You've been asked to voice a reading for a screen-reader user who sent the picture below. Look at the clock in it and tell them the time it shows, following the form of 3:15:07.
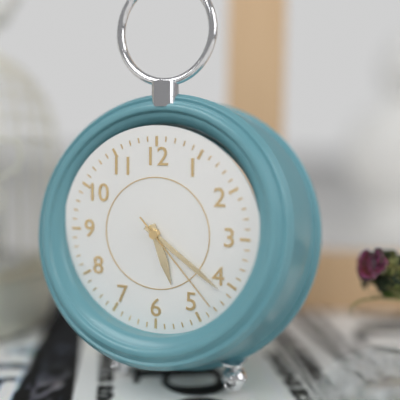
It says 5:21:23
